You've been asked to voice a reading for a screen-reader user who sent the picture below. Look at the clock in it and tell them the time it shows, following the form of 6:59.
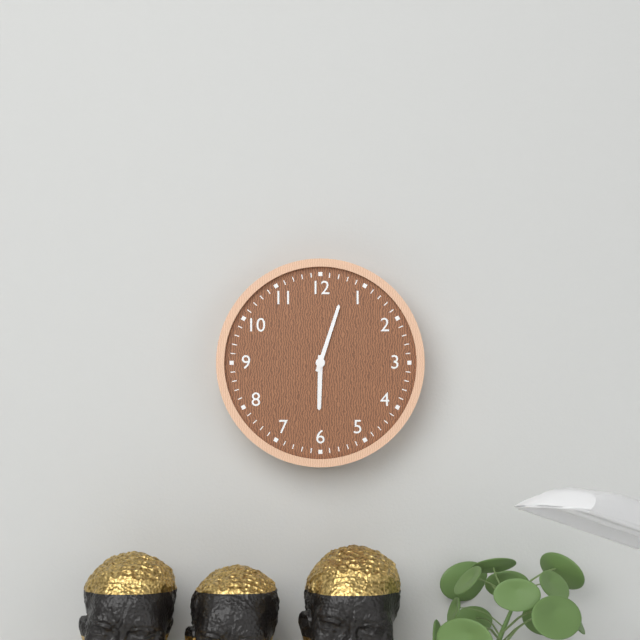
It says 6:03
